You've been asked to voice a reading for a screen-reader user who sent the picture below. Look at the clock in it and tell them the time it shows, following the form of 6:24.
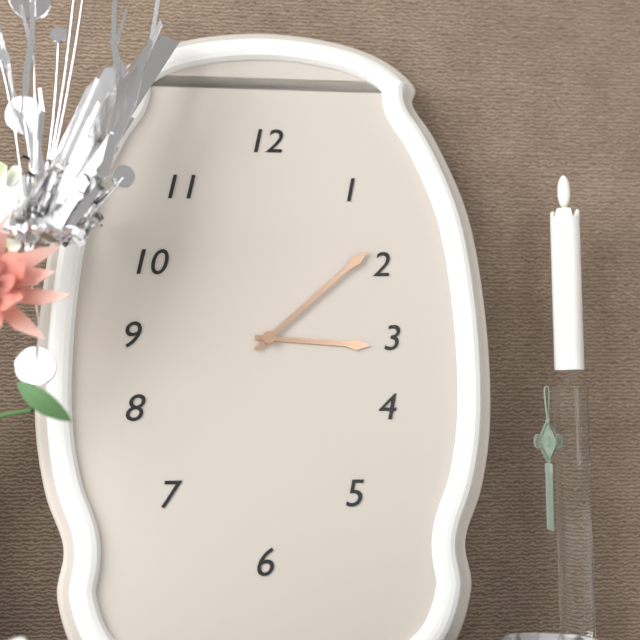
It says 3:08
